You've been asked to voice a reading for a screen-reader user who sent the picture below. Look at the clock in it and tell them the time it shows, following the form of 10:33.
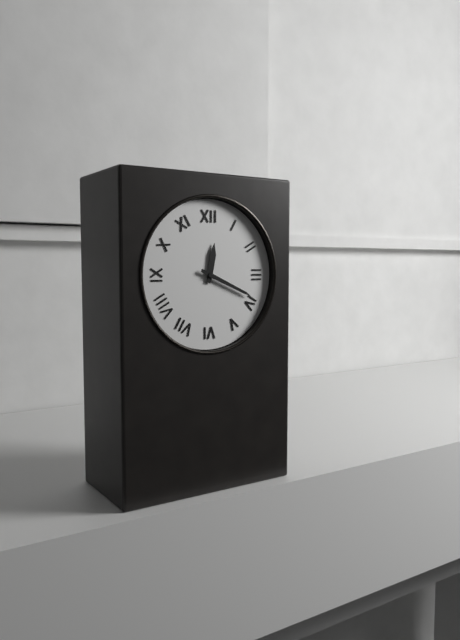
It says 12:19
